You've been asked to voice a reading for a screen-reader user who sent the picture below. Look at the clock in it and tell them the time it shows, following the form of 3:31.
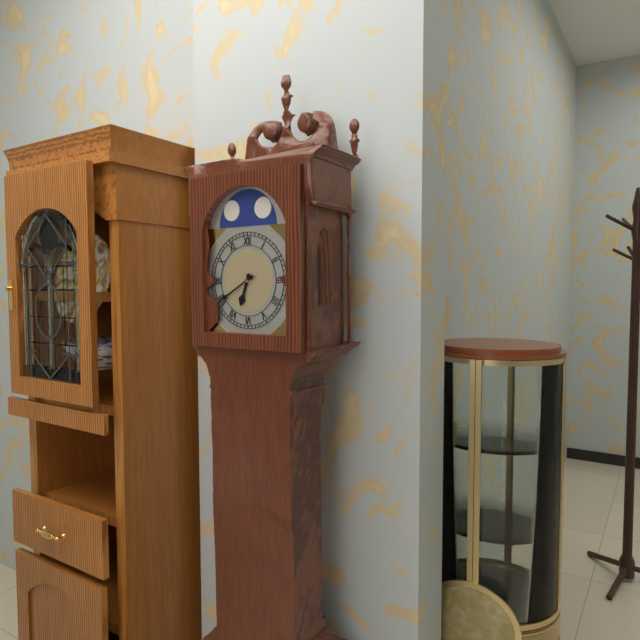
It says 6:40
